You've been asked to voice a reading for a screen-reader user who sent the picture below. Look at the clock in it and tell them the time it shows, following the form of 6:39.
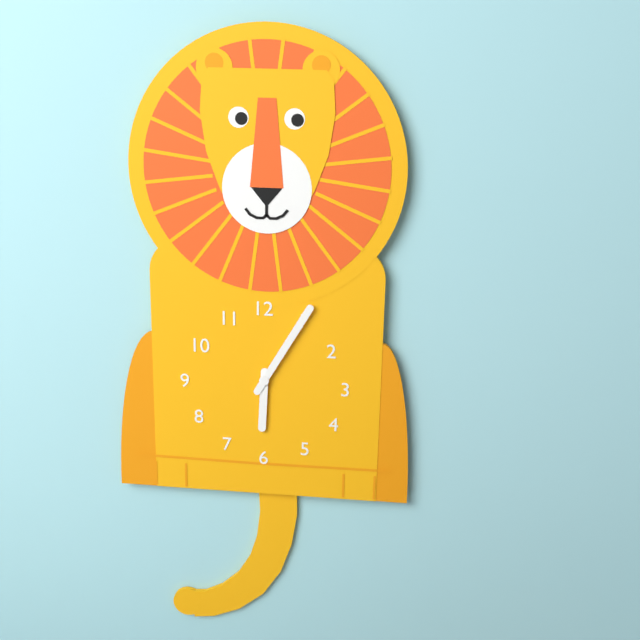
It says 6:05
